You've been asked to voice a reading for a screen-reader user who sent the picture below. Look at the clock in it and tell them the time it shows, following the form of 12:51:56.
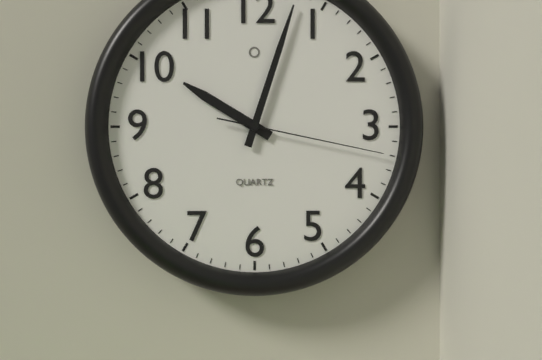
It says 10:03:17
